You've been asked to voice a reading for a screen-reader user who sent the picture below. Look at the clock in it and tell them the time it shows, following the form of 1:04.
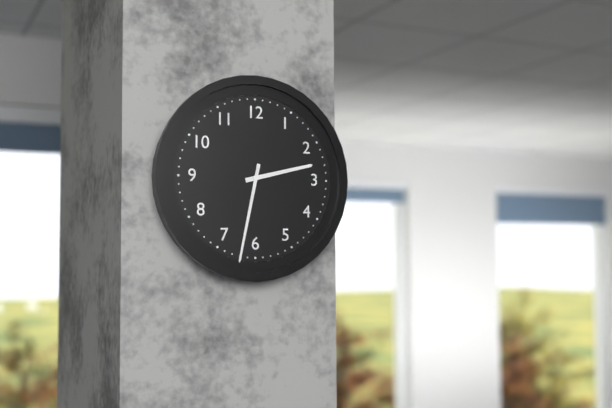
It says 2:32
